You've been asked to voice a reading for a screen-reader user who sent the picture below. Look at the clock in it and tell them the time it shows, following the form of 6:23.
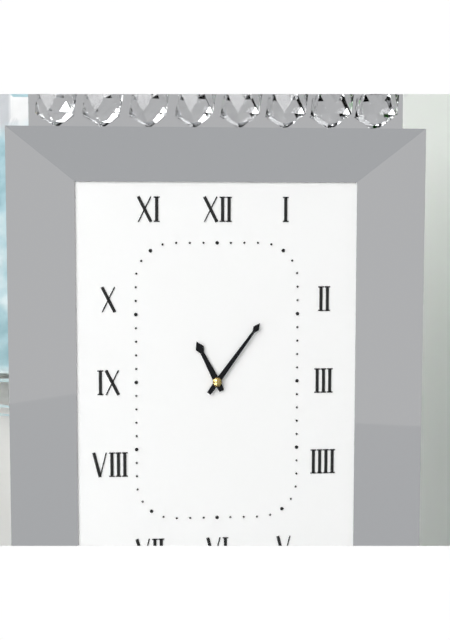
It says 11:06
